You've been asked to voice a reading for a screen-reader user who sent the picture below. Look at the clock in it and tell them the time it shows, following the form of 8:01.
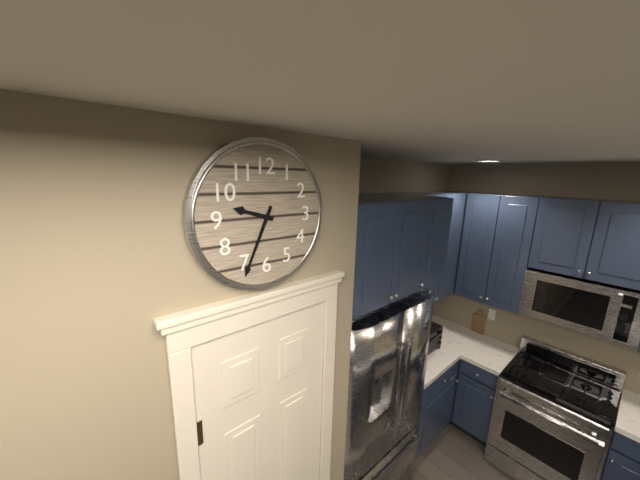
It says 9:34
